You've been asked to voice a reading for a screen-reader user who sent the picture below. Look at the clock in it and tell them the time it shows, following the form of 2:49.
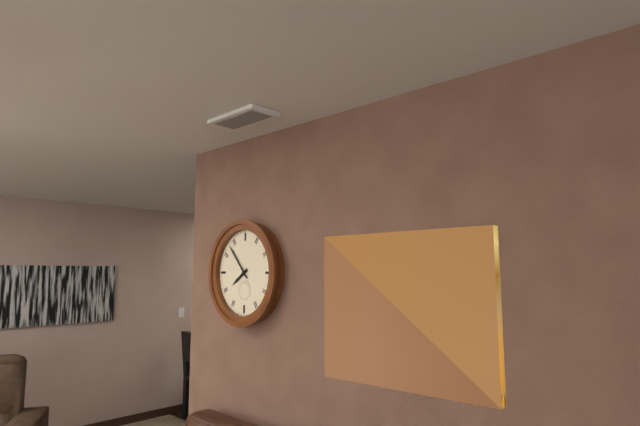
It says 7:53
